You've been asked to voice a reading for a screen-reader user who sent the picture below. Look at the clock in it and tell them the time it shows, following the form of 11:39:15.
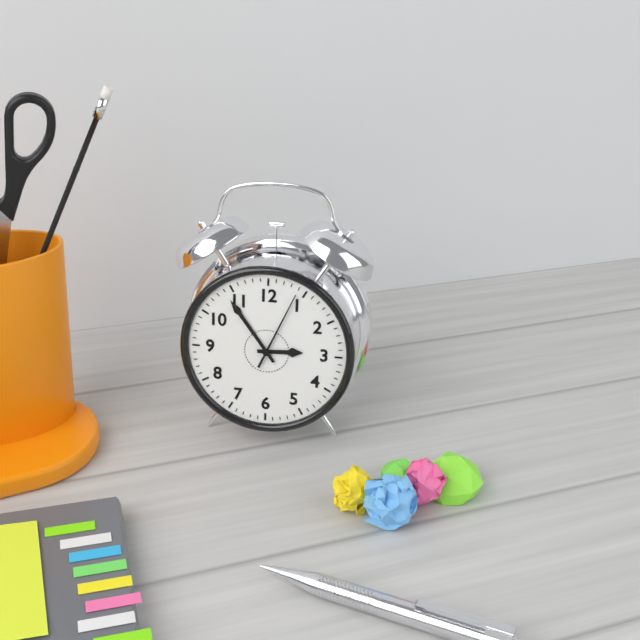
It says 2:54:04
